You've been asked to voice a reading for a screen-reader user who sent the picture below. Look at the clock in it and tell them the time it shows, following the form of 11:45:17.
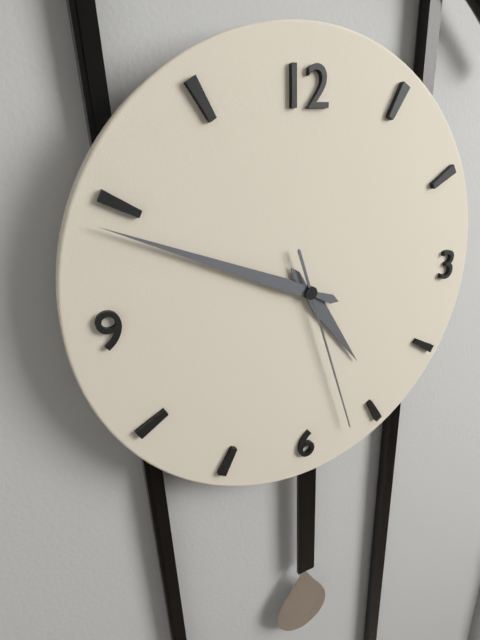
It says 4:49:27
